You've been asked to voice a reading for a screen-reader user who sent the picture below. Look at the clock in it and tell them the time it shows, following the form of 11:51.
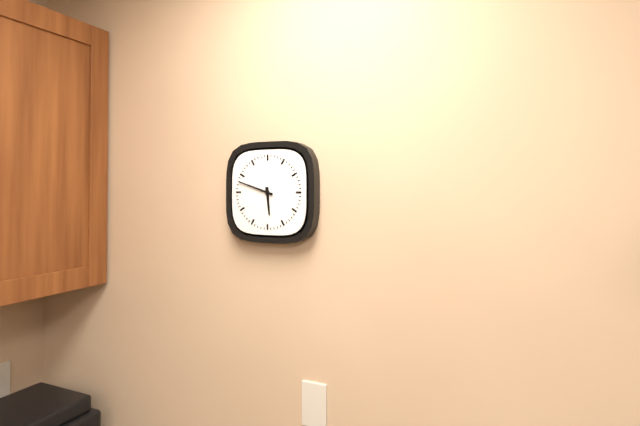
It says 5:48
